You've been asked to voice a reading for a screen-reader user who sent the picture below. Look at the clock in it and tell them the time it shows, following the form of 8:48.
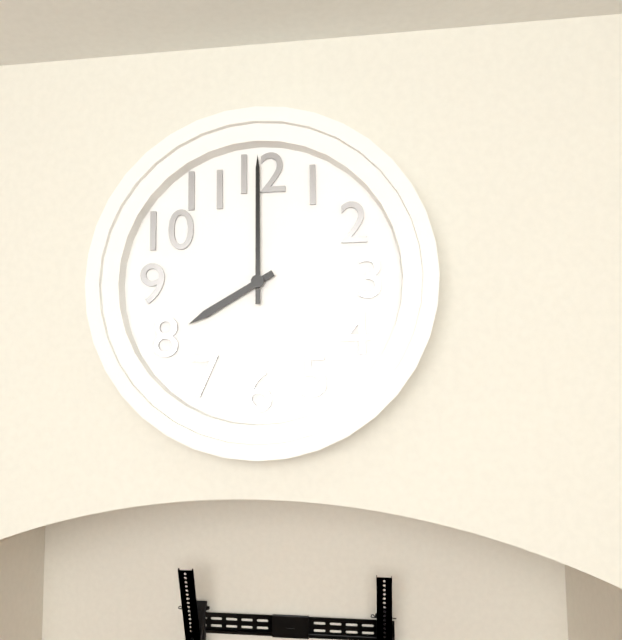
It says 8:00
